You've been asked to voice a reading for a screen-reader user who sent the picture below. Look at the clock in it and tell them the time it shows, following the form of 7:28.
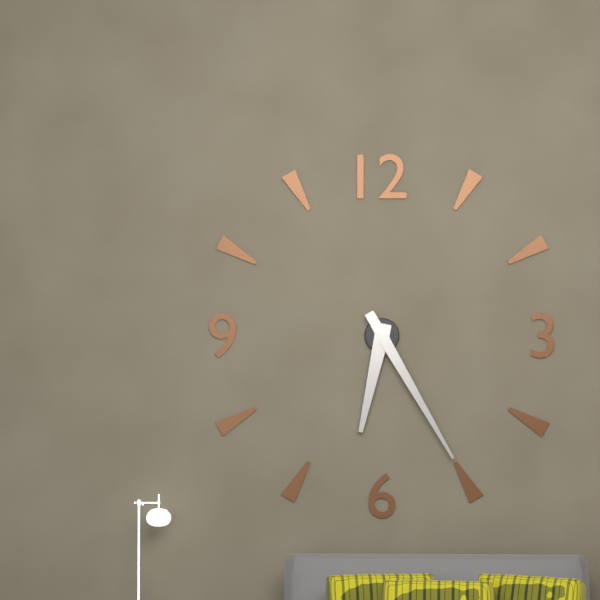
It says 6:25
